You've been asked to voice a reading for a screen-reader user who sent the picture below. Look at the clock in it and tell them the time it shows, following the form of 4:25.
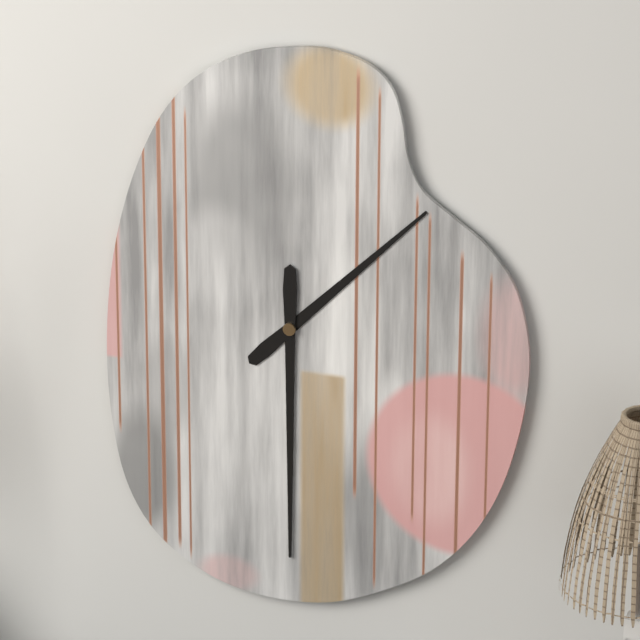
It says 1:30
